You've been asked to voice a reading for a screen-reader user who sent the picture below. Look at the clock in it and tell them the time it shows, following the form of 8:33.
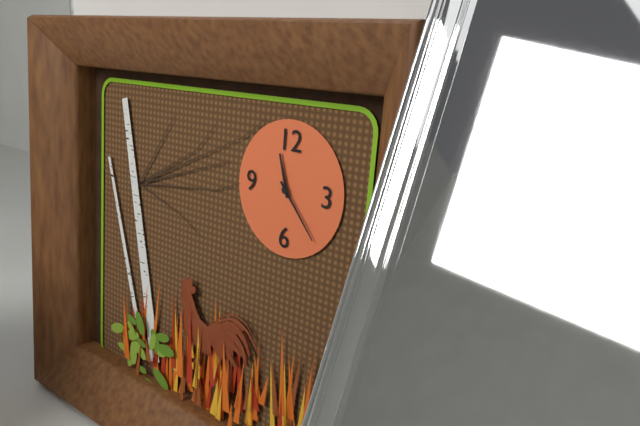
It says 11:23
